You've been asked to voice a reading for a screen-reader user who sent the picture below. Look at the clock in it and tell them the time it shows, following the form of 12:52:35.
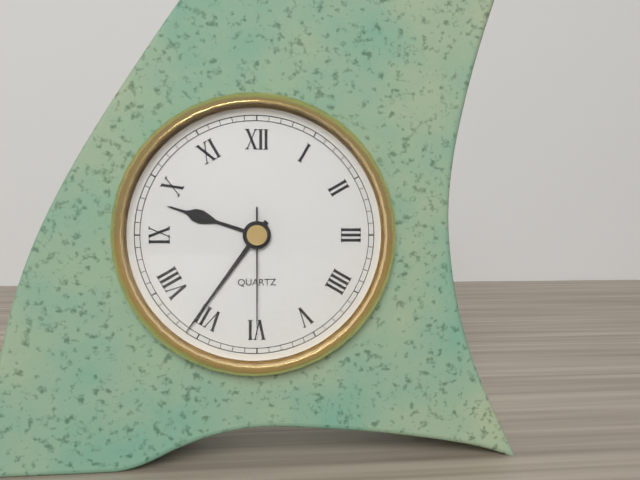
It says 9:36:30
